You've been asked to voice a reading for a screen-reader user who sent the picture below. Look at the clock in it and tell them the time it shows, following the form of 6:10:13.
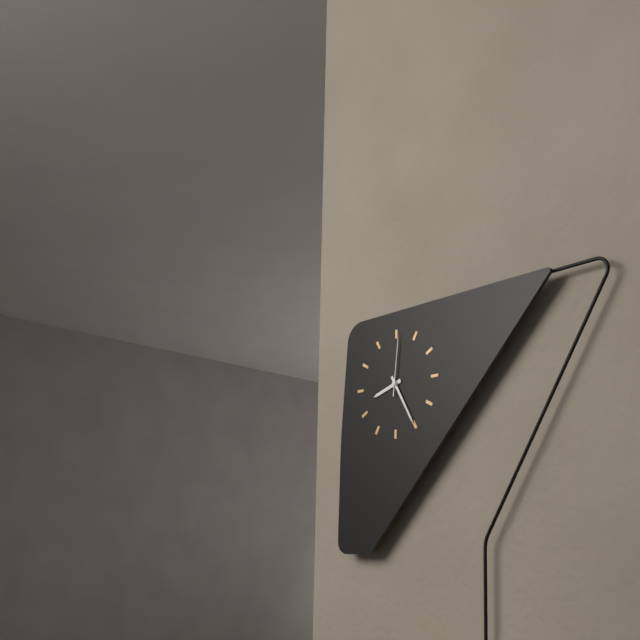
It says 8:25:01
